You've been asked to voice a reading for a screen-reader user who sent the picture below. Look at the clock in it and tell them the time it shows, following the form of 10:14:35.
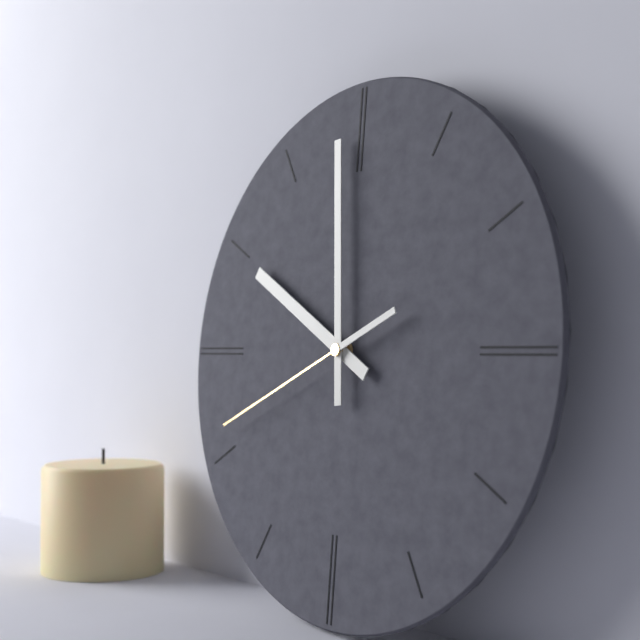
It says 9:59:41
